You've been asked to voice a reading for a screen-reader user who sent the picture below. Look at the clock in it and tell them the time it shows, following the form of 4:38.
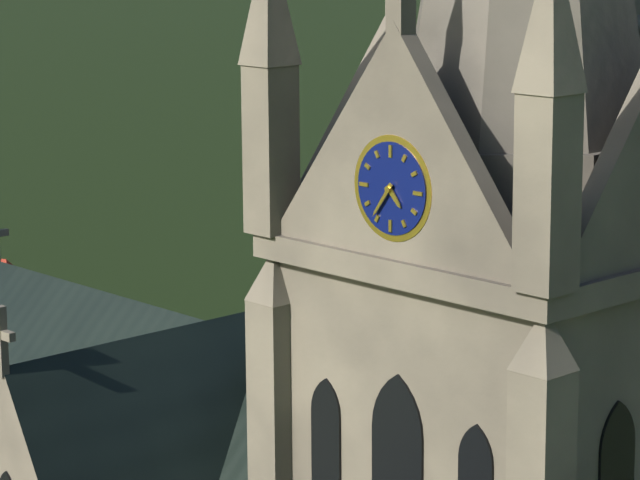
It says 4:36
